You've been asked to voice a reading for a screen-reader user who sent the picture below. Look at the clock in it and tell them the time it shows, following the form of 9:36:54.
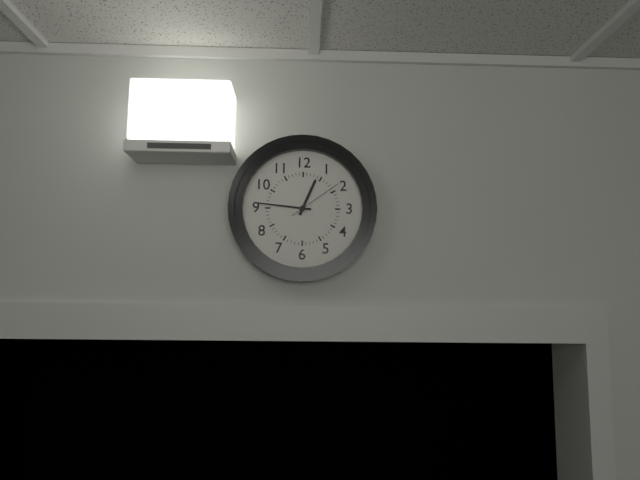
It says 12:46:09
